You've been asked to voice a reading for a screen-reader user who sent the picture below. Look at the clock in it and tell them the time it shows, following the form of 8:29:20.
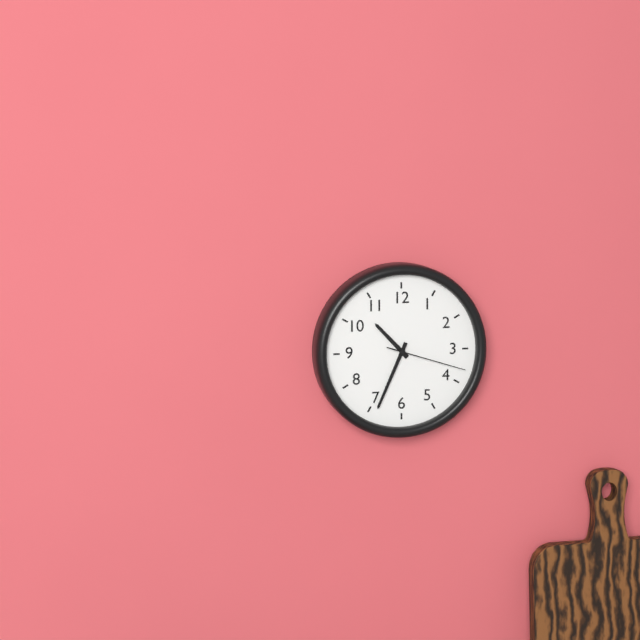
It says 10:34:18
